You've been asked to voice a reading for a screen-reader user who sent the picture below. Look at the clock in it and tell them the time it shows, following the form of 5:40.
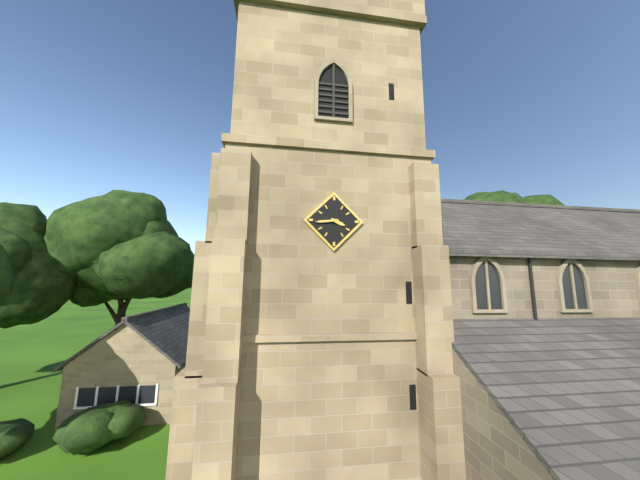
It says 3:44
